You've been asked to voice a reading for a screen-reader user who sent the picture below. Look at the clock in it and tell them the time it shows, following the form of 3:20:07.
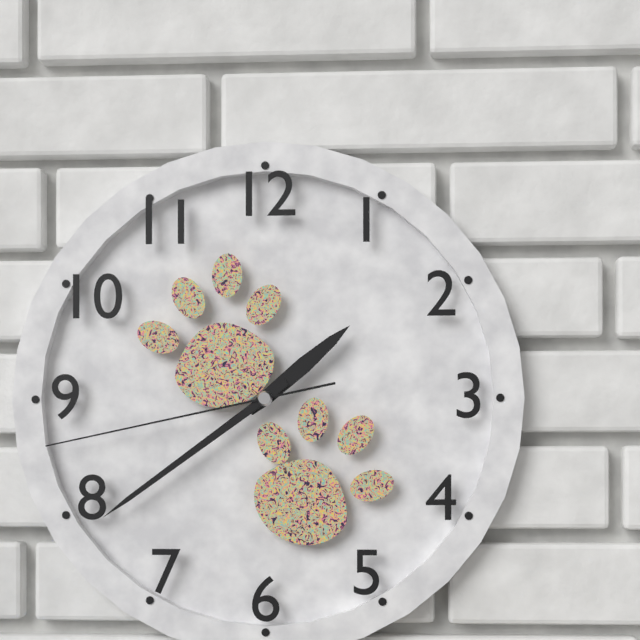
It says 1:39:43
